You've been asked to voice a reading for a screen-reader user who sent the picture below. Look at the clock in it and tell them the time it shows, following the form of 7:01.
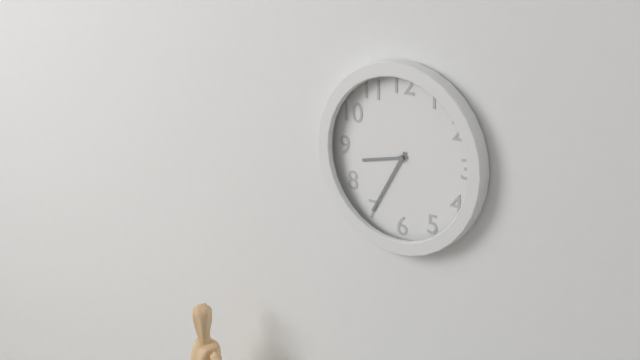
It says 8:35
